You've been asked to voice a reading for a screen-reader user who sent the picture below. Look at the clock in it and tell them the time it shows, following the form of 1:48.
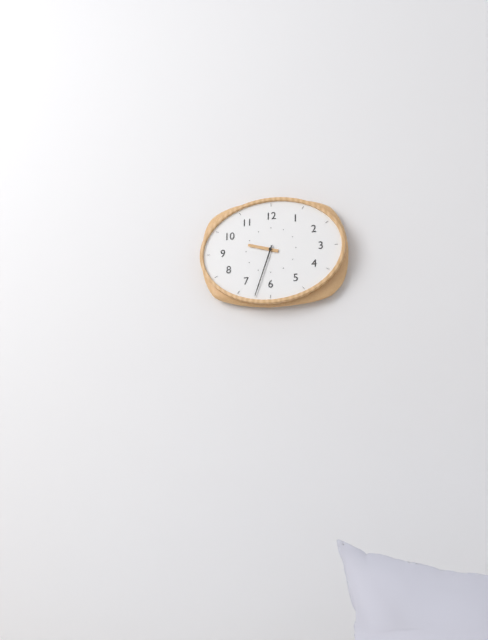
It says 9:33
